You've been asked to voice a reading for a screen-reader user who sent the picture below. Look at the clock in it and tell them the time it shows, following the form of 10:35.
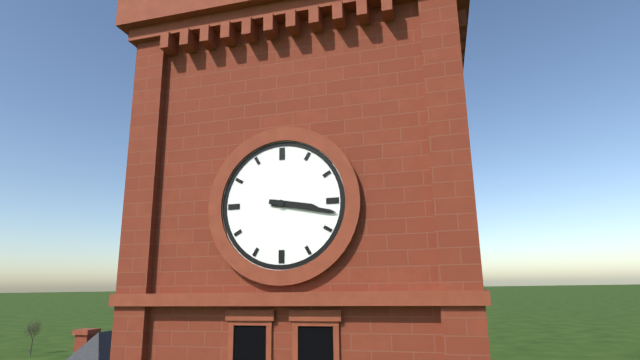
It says 3:17
